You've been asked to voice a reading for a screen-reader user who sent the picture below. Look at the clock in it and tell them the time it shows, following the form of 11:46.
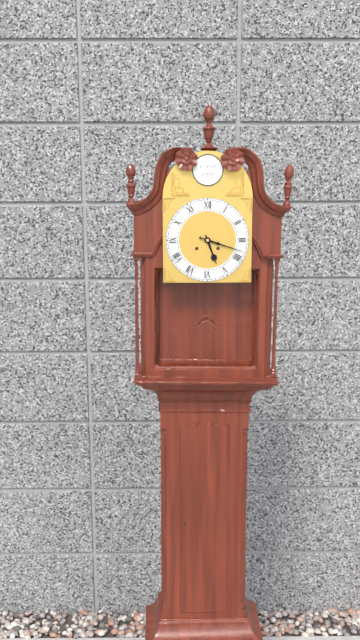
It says 5:18
